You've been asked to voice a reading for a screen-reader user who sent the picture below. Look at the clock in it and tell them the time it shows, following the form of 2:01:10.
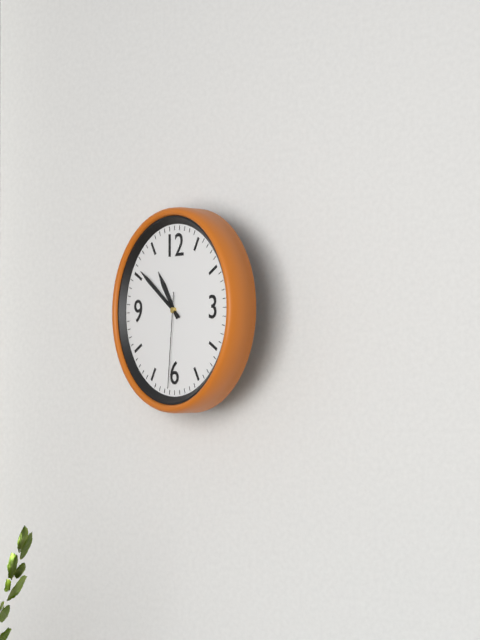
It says 10:51:31
